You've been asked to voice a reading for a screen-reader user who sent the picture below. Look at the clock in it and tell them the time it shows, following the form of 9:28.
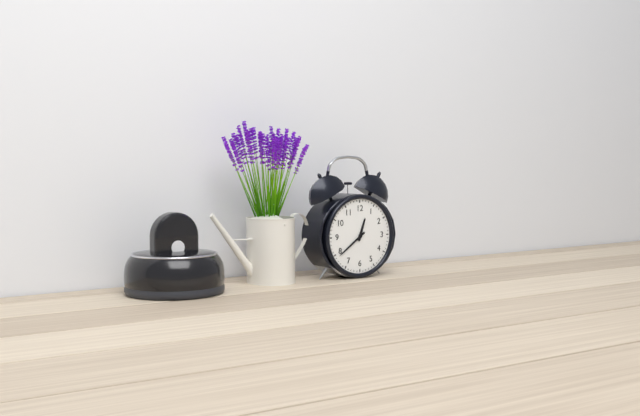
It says 12:39
